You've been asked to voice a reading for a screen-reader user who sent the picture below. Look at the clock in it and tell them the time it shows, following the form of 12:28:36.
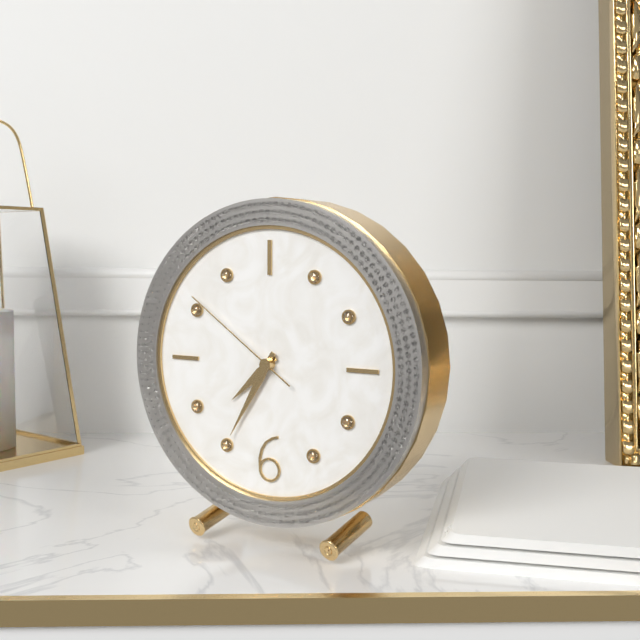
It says 7:35:51
